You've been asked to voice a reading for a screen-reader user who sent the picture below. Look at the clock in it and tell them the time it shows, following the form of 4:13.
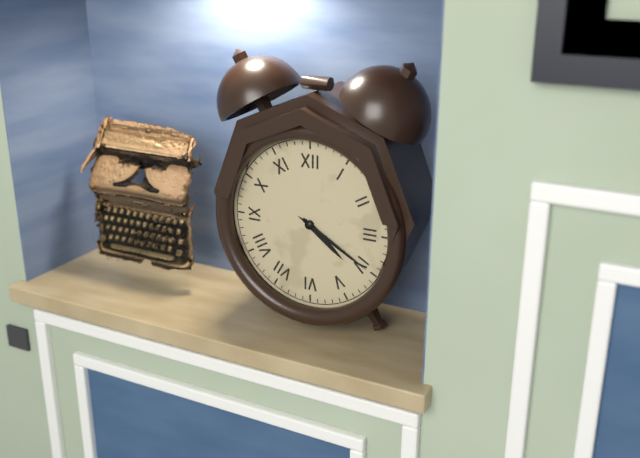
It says 4:20
